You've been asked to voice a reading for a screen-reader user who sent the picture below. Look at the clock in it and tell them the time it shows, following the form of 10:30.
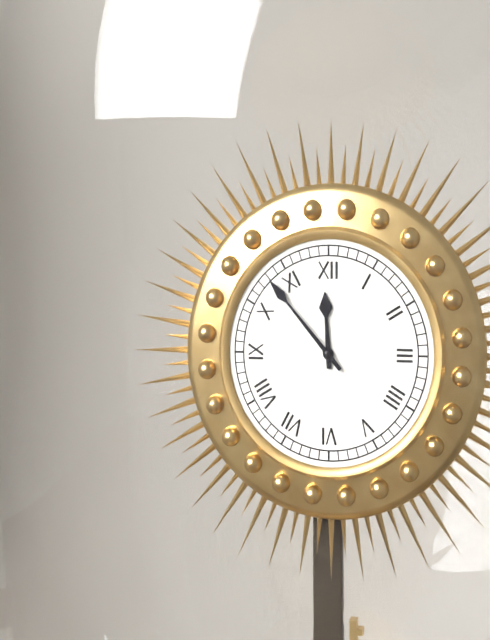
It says 11:53
